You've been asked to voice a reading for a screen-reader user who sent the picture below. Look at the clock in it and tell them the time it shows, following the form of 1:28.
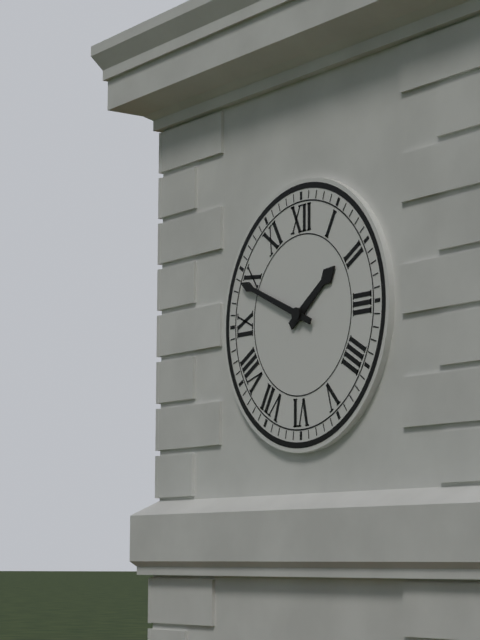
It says 1:49
